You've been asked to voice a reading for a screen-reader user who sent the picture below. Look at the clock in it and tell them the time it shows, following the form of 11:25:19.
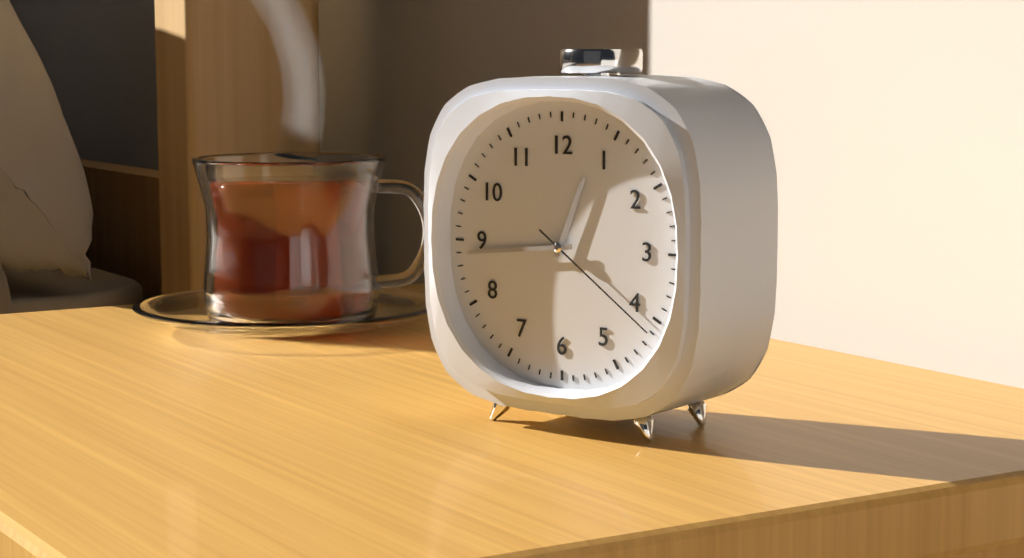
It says 12:44:21
